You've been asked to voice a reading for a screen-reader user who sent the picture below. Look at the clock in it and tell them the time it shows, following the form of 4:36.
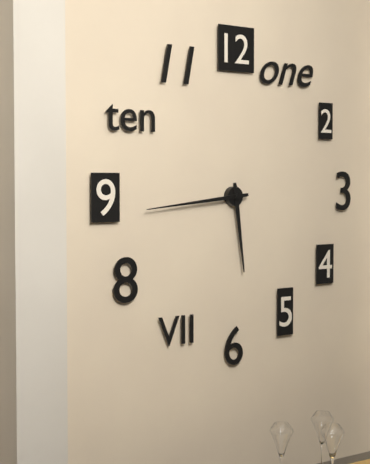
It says 5:44
